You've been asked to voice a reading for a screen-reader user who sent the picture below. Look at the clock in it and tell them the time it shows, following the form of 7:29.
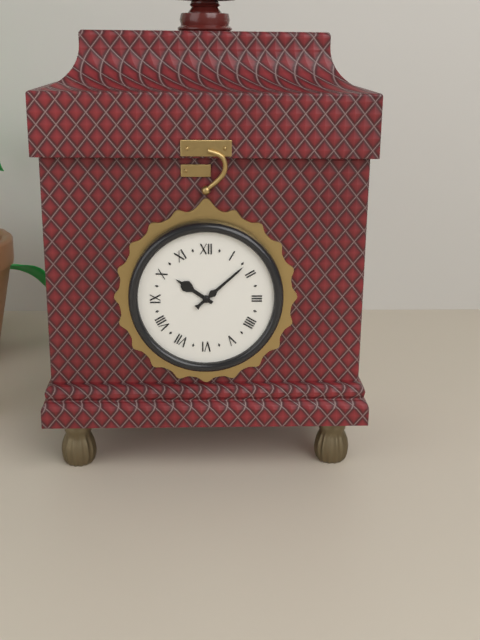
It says 10:08
